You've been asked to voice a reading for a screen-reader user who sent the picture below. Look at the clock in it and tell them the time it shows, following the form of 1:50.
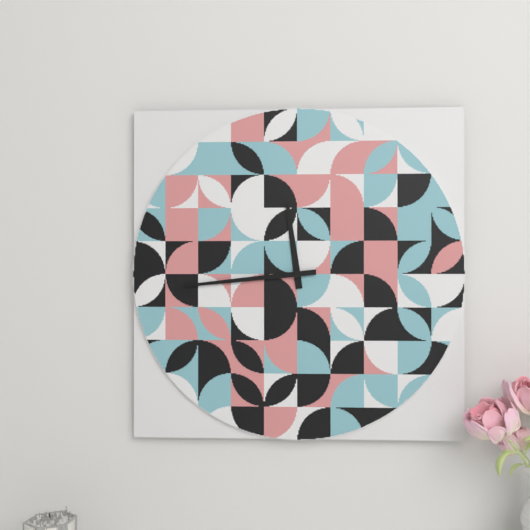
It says 11:44
